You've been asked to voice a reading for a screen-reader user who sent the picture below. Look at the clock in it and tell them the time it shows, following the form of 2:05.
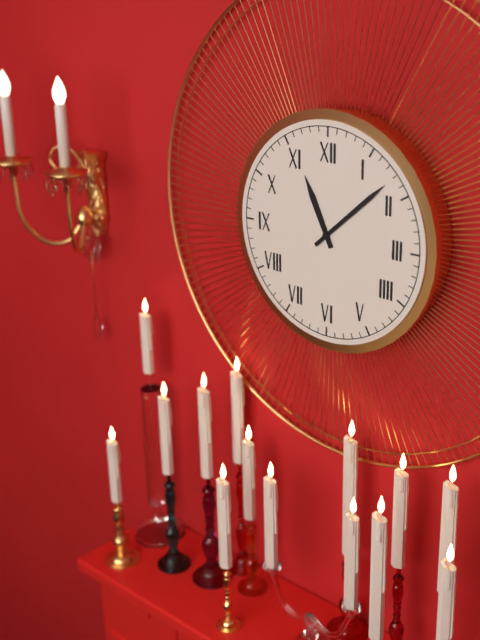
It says 11:08
